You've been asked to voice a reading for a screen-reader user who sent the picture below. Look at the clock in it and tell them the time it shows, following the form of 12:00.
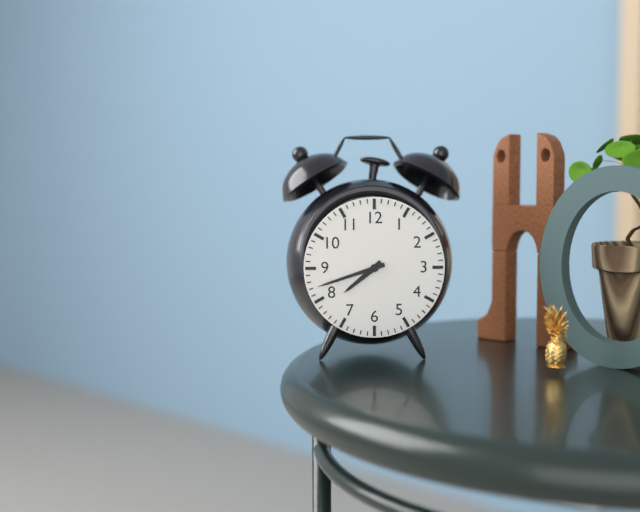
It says 7:42
